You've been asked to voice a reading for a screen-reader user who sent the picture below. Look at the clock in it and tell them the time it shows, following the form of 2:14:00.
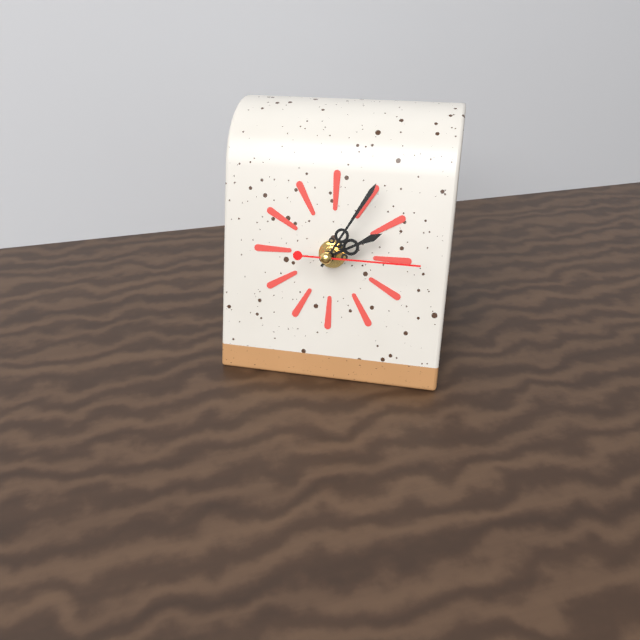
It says 2:05:15
